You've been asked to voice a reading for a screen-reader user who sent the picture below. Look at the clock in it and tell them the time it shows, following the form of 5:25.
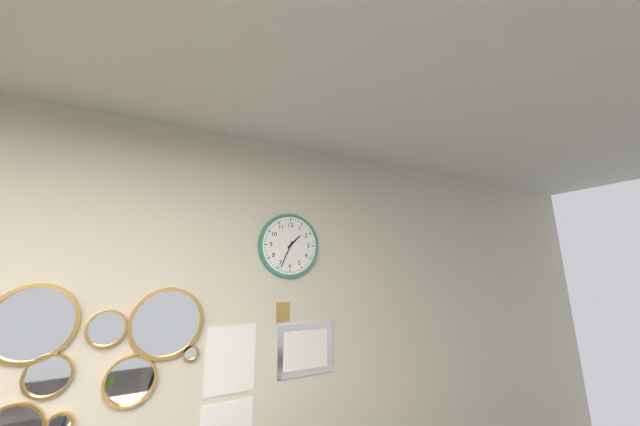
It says 1:34
